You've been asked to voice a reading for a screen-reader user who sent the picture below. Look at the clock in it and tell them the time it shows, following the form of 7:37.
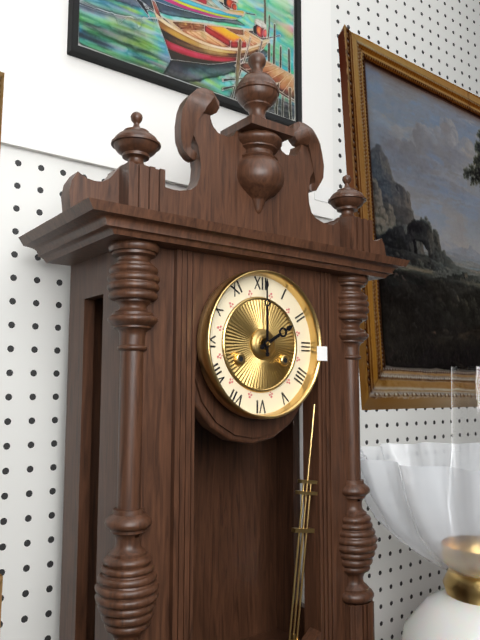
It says 2:00
